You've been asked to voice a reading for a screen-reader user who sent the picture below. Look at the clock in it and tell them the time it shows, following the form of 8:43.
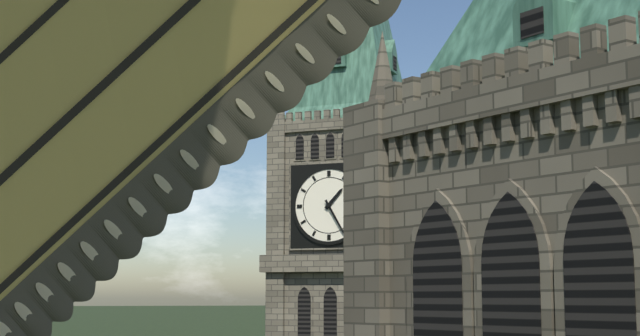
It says 1:25
